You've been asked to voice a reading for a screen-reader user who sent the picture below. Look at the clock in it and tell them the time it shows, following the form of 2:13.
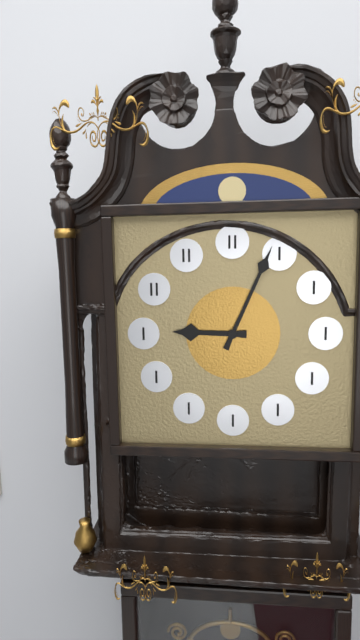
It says 9:04
